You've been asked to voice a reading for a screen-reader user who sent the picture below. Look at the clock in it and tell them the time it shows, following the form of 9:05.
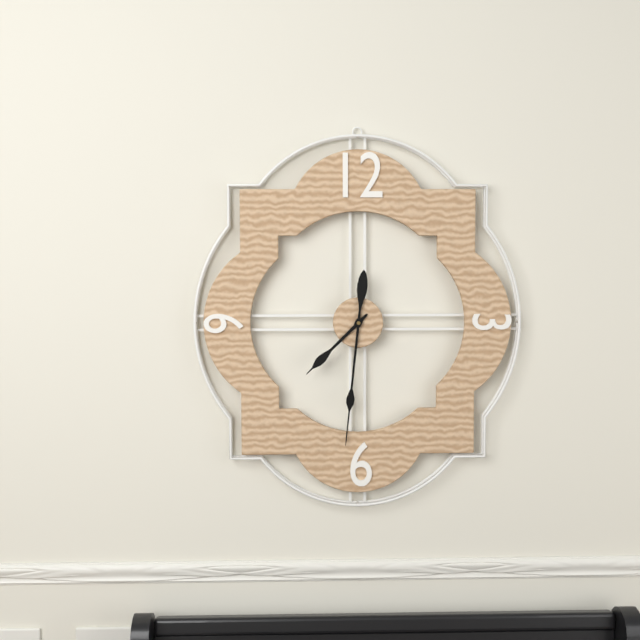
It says 7:31
